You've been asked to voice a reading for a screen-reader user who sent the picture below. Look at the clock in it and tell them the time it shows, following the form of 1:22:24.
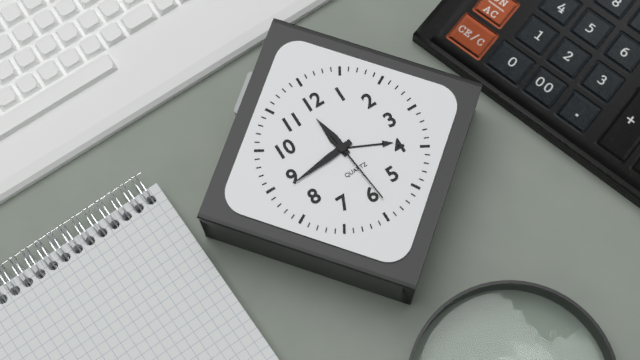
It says 11:44:29
